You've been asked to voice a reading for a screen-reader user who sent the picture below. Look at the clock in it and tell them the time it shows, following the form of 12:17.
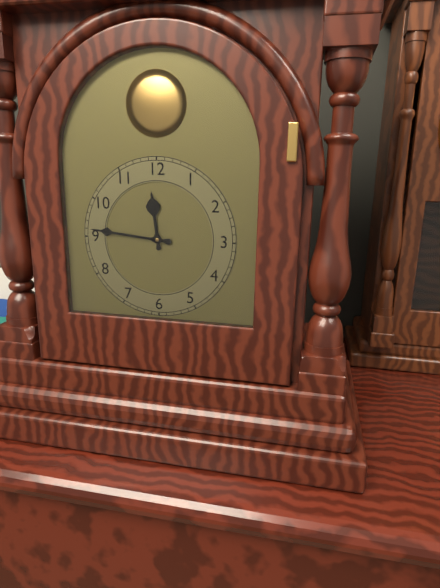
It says 11:46
